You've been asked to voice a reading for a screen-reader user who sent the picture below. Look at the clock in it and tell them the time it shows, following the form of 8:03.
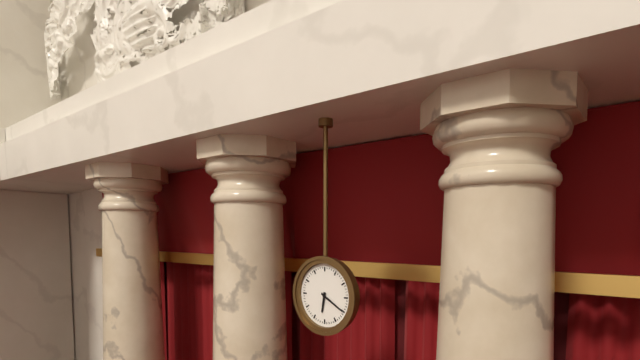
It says 6:20
